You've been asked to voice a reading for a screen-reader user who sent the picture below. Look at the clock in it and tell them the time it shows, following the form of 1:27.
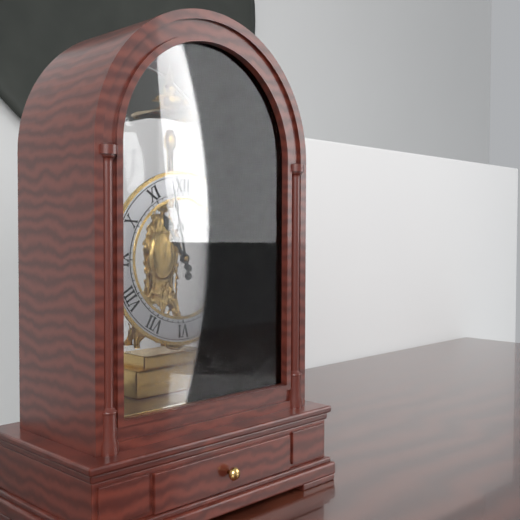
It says 10:58
